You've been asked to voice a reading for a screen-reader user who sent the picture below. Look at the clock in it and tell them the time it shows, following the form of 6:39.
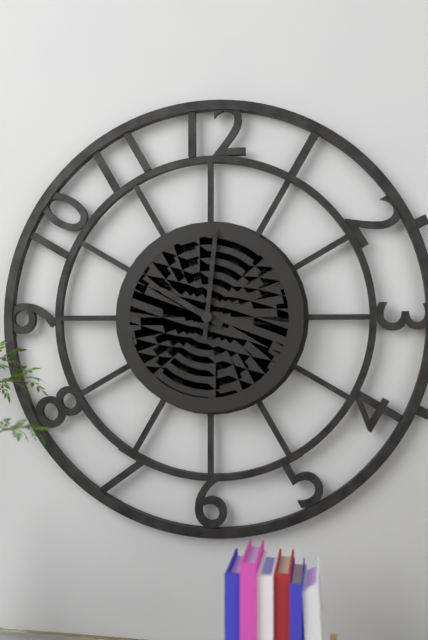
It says 10:01
